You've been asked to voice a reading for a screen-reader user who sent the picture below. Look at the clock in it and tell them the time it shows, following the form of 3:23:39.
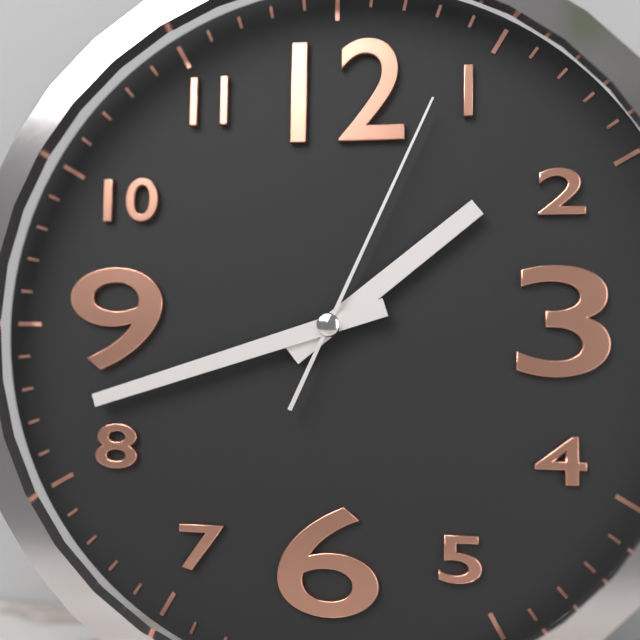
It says 1:42:04
